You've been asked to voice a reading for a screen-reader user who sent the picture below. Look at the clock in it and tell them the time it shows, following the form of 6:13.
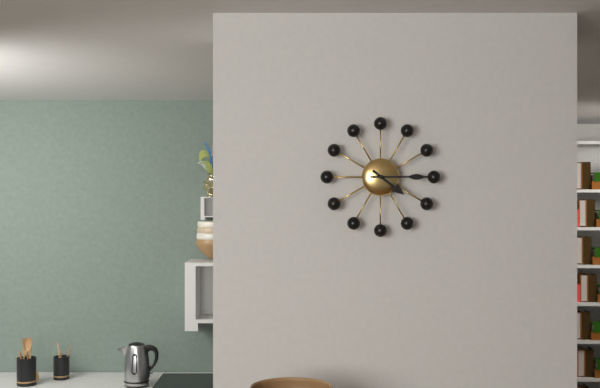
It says 4:15
